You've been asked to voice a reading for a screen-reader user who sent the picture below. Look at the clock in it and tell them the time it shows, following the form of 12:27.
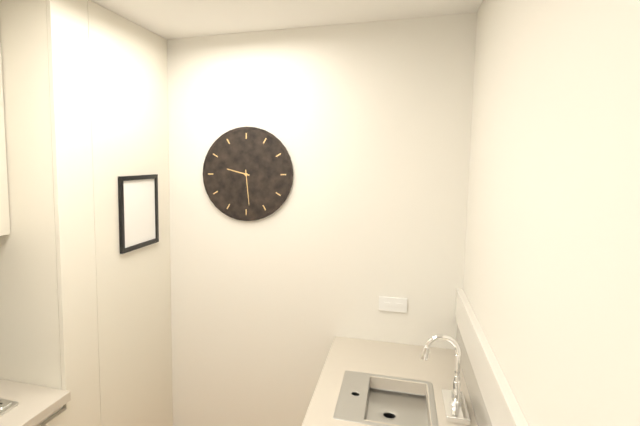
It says 9:29
